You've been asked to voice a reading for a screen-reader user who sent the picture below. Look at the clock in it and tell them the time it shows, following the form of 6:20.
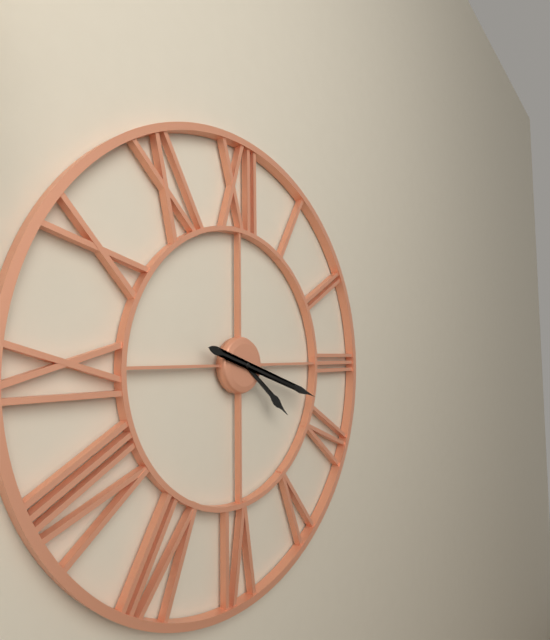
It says 4:18
